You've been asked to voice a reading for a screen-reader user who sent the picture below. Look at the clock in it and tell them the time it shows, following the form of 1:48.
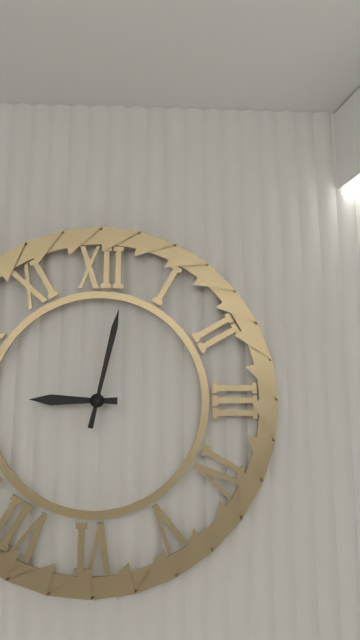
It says 9:02
